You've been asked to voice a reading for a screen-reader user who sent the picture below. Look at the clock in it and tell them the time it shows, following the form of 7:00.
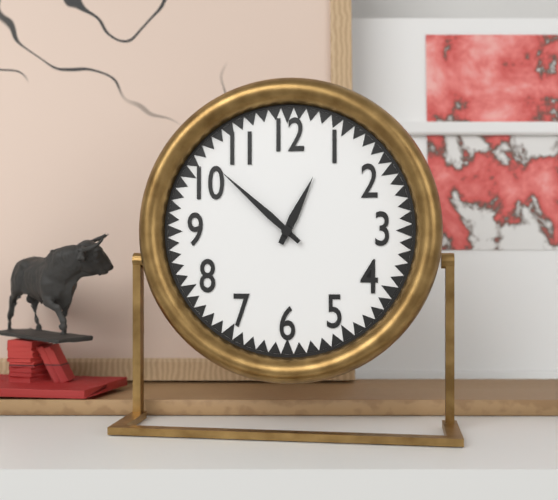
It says 12:52
